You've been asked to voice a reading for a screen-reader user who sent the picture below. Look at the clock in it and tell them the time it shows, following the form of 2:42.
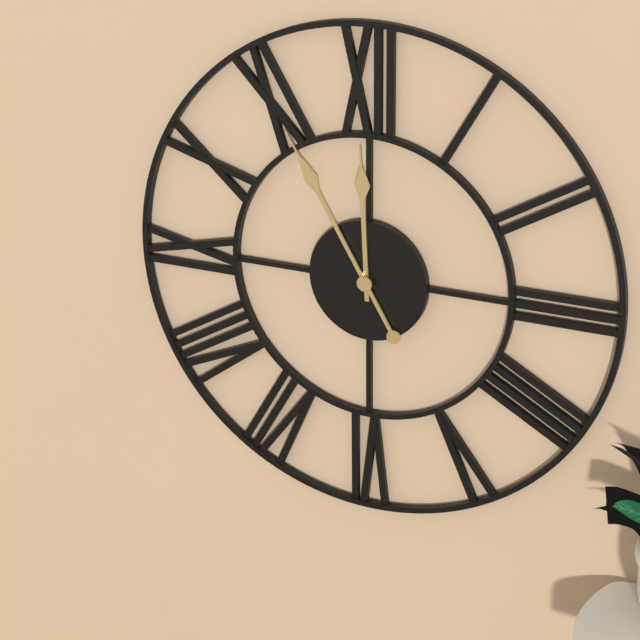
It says 11:55
